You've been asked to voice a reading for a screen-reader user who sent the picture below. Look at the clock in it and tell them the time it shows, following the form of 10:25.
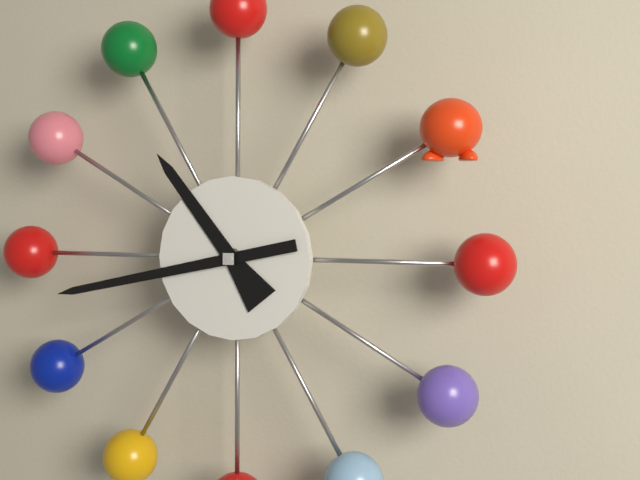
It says 10:43
